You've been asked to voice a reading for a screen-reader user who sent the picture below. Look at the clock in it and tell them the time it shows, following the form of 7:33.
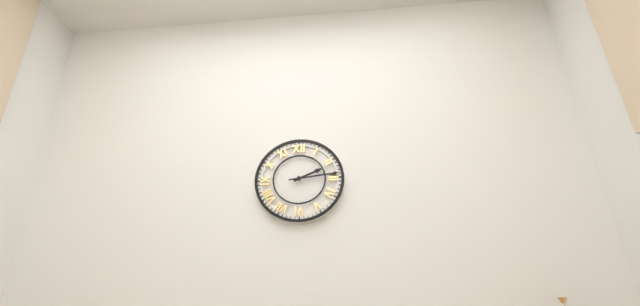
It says 2:14
